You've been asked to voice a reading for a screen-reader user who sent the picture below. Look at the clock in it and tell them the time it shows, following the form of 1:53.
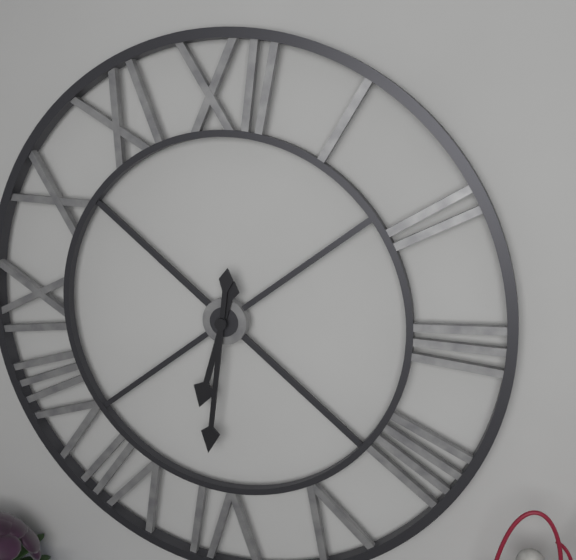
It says 6:31
